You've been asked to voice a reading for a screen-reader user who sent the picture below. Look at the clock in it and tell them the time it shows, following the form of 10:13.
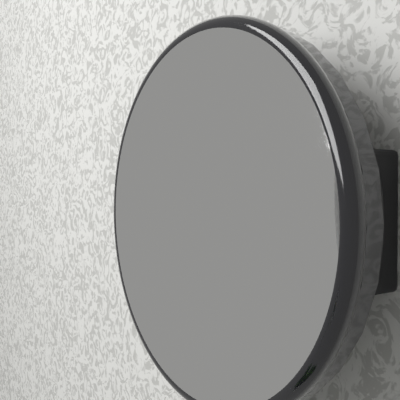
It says 8:51
